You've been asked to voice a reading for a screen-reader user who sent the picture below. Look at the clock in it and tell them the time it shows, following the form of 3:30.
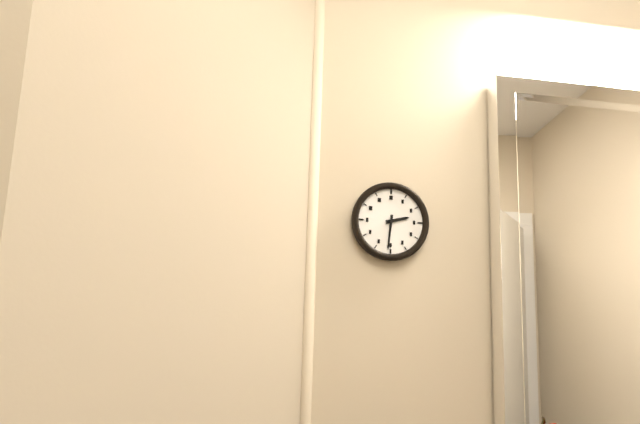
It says 2:31
